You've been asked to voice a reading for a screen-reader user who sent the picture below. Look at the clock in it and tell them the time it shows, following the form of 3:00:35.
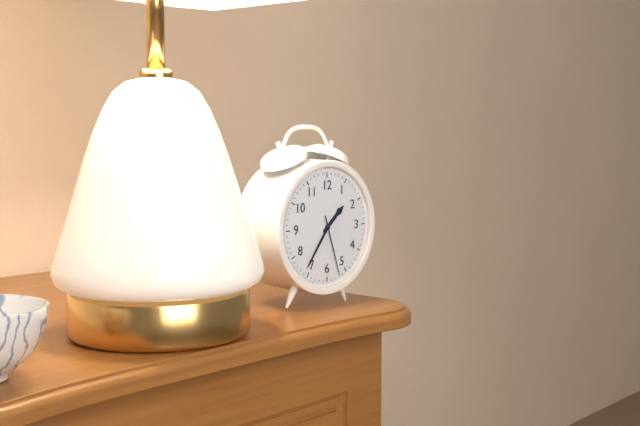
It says 1:36:27
